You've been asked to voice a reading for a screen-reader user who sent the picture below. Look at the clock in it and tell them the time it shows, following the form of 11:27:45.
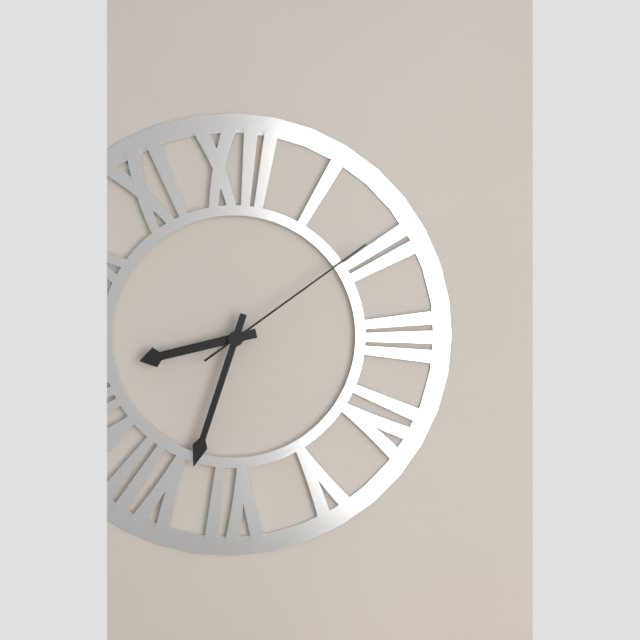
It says 8:33:09
